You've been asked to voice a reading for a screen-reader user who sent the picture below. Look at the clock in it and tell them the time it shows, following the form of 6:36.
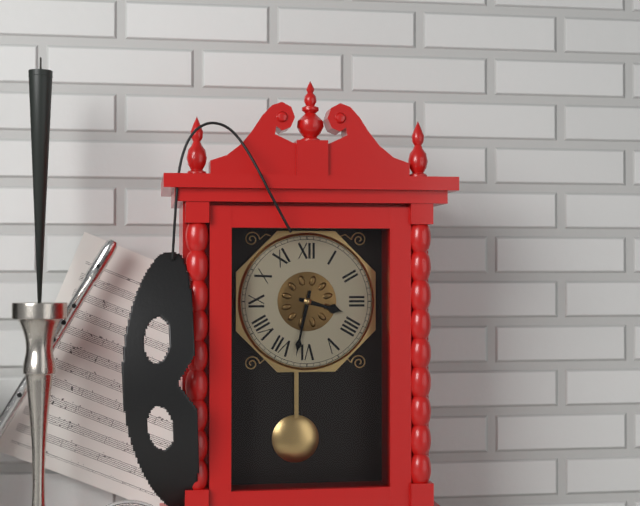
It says 3:32
